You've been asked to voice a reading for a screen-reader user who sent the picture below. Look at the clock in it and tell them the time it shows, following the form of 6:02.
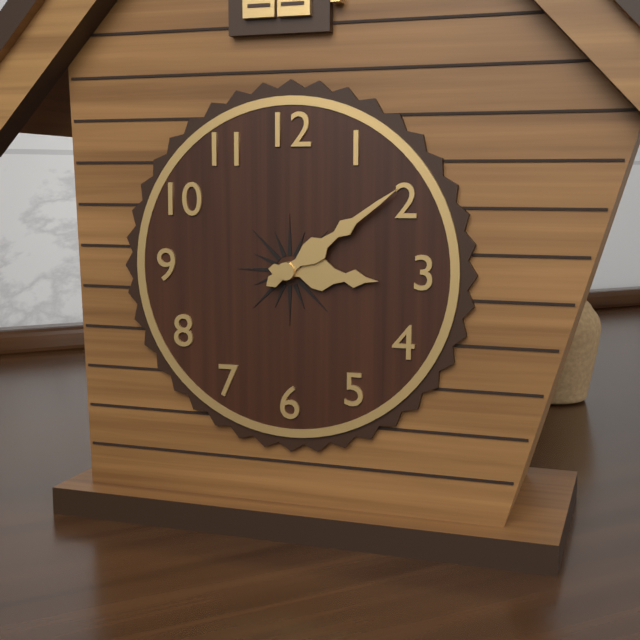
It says 3:09
